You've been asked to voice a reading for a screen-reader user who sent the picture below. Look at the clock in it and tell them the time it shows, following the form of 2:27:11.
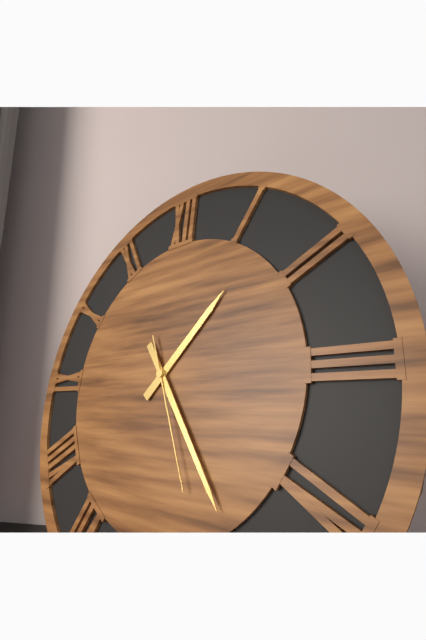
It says 1:24:26
